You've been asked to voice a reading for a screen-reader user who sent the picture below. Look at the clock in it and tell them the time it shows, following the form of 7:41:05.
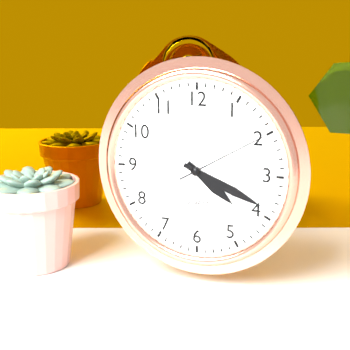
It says 4:19:10
